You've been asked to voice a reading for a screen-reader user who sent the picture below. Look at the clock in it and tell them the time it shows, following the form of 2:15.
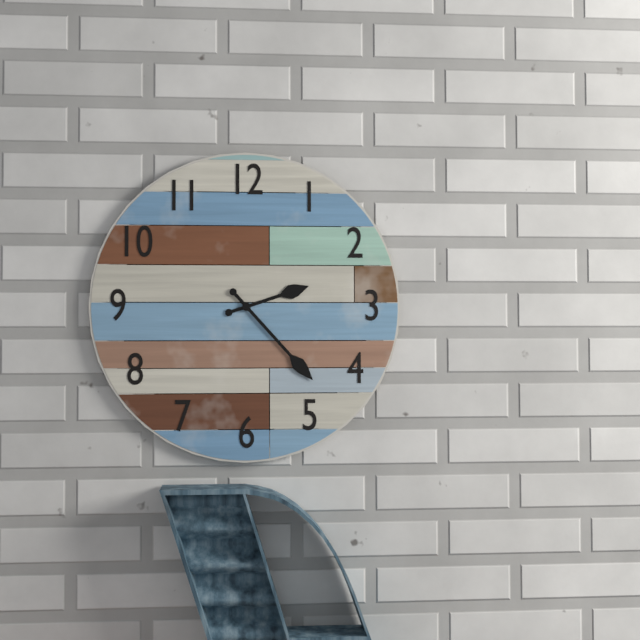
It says 2:23
